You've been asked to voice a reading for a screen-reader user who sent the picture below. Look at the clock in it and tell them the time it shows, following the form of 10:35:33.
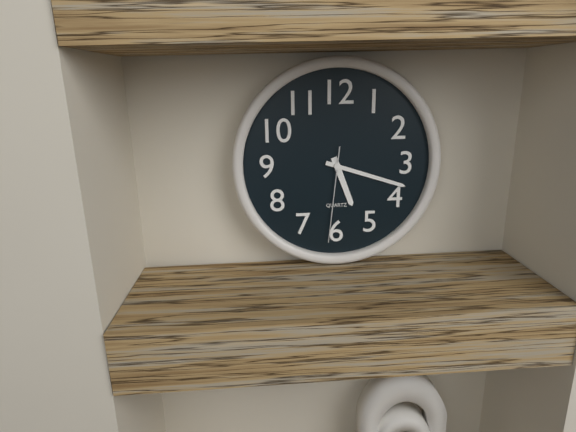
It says 5:18:31
